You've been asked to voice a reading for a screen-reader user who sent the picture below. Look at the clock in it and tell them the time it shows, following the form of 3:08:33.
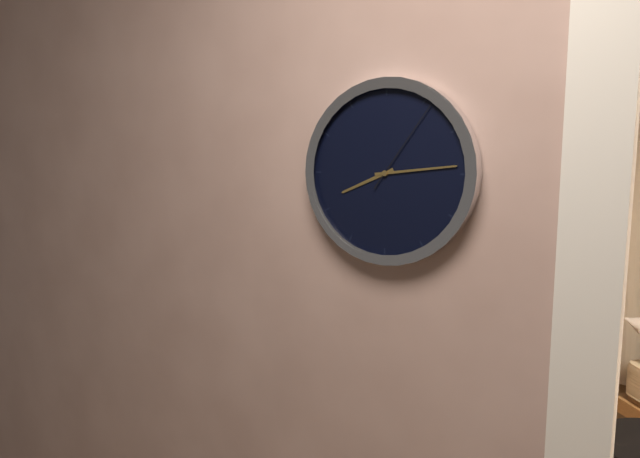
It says 8:14:06
